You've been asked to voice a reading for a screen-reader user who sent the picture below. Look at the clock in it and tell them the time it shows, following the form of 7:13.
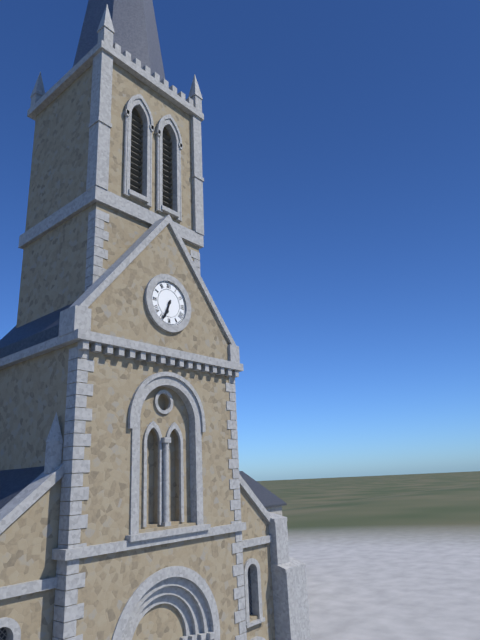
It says 6:34
